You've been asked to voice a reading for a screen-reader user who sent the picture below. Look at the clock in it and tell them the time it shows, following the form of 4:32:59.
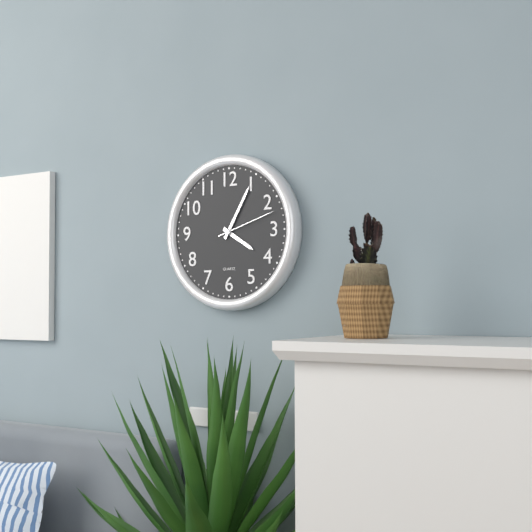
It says 4:05:12
